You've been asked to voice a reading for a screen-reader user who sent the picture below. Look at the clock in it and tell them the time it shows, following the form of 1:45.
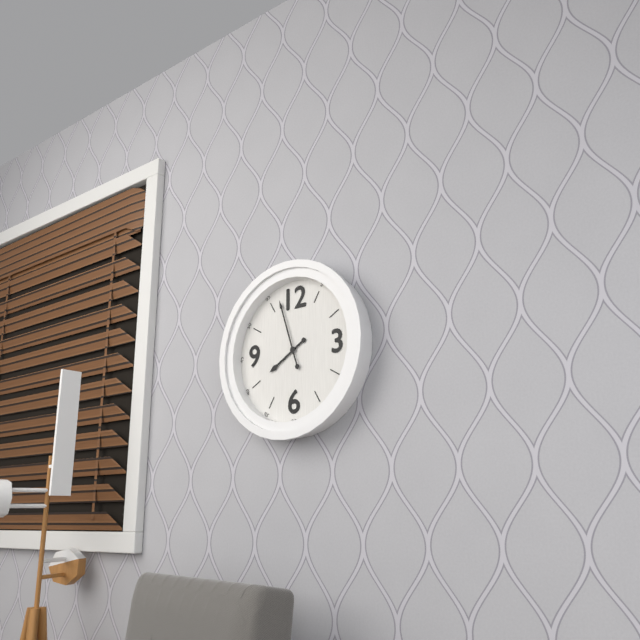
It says 7:57
